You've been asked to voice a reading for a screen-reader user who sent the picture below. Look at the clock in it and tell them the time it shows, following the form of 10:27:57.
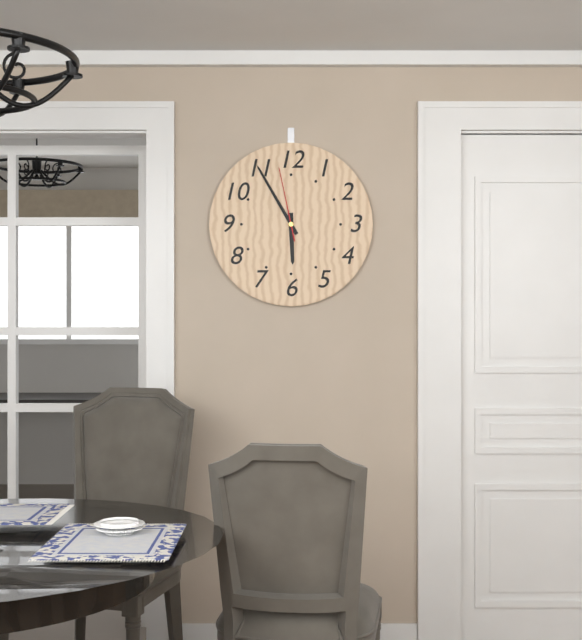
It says 5:55:58
